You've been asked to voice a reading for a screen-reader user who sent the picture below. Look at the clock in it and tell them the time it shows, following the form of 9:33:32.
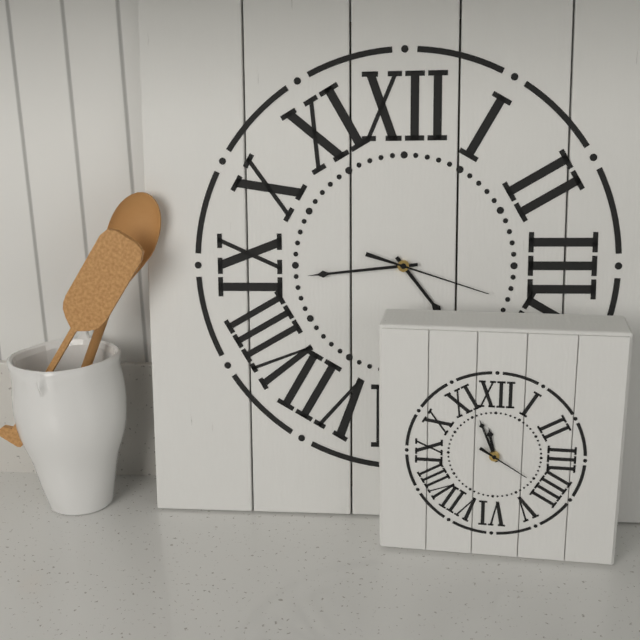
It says 4:44:18
